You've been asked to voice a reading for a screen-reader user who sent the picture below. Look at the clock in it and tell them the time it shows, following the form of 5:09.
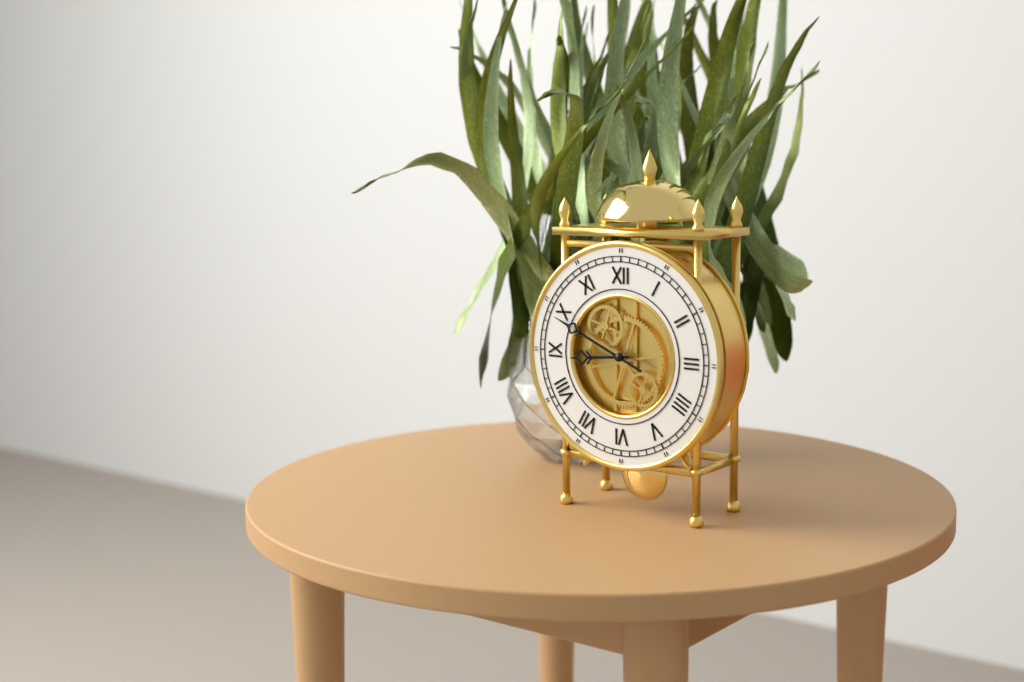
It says 8:49
